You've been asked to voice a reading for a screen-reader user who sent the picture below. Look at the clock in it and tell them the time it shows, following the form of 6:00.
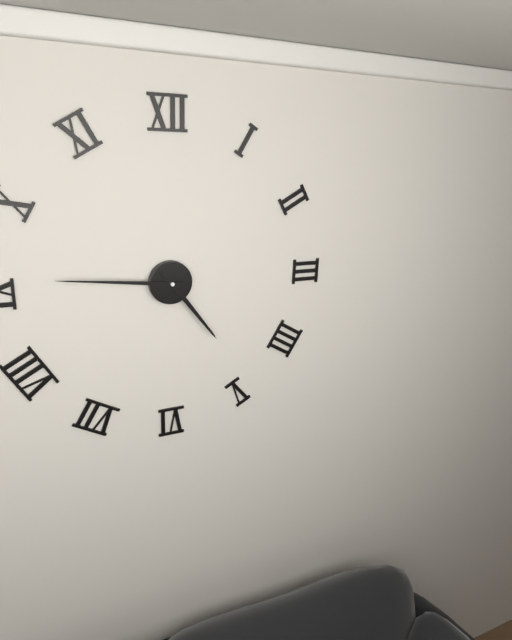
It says 4:46
